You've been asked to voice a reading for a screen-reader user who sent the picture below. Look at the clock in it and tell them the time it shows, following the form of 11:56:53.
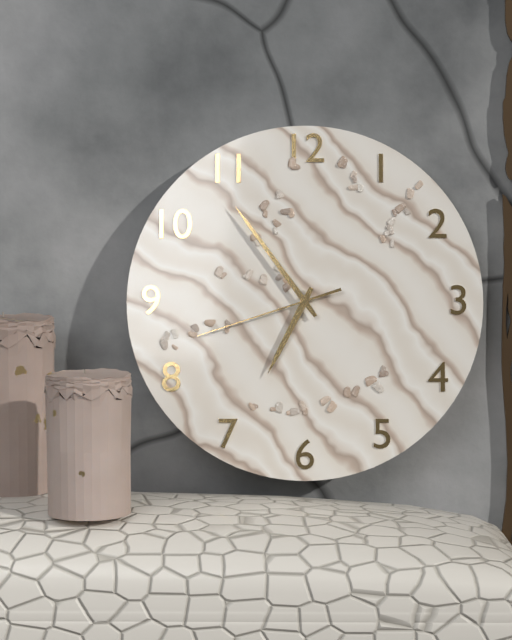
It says 6:54:42
